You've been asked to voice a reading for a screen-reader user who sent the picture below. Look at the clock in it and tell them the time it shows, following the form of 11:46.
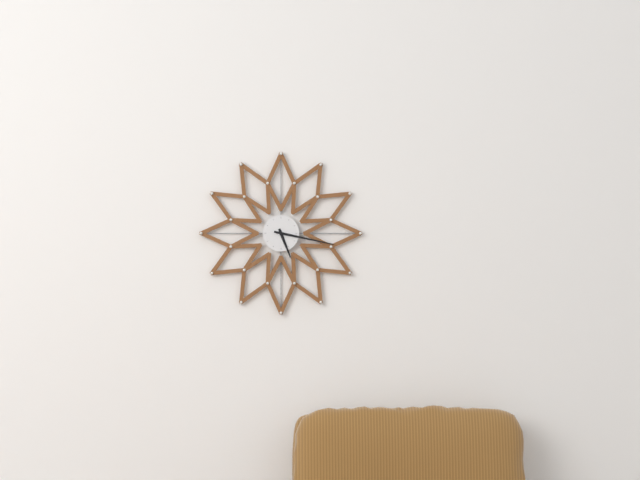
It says 5:17
